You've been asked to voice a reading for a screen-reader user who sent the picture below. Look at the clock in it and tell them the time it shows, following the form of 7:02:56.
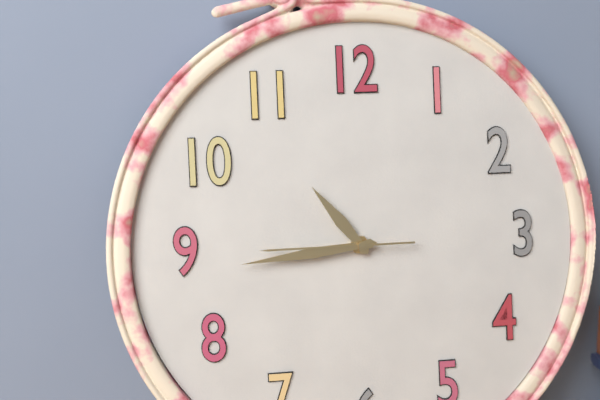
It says 10:44:45
